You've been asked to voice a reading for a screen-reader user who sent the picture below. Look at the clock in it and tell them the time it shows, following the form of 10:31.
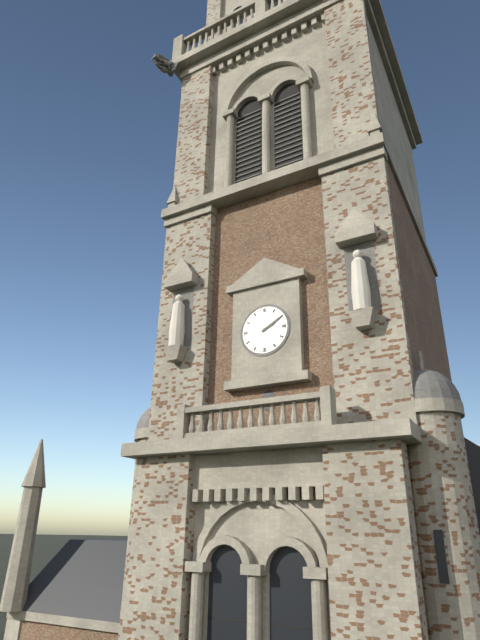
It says 2:10
